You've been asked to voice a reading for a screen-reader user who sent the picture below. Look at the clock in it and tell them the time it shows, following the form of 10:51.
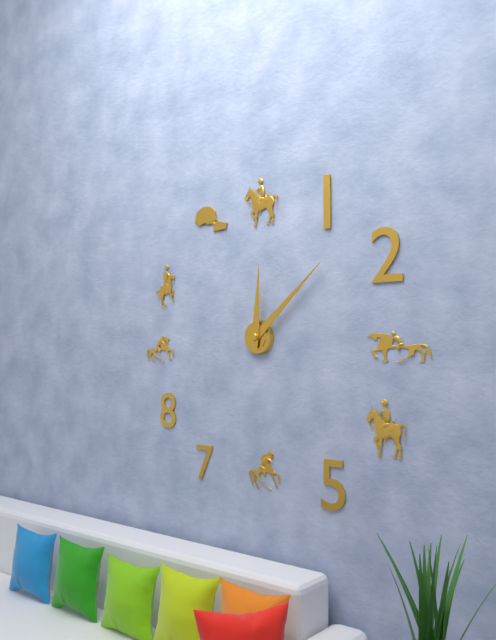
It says 12:08
